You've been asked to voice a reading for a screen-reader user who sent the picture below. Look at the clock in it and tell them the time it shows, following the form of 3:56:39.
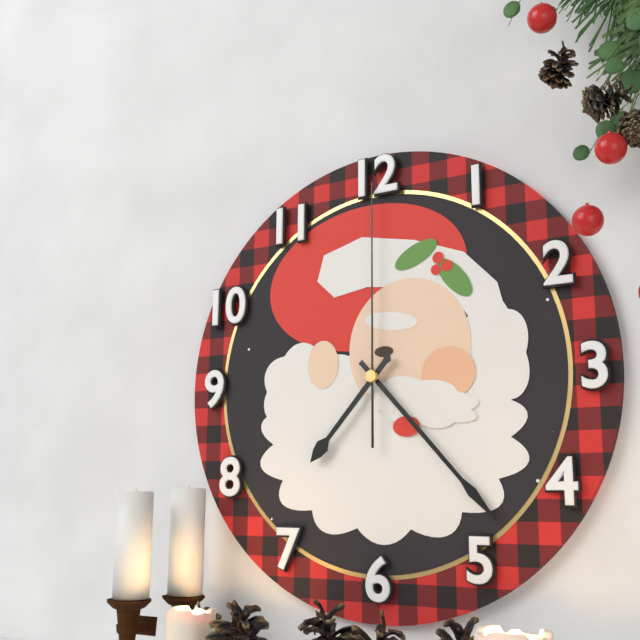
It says 7:23:00
